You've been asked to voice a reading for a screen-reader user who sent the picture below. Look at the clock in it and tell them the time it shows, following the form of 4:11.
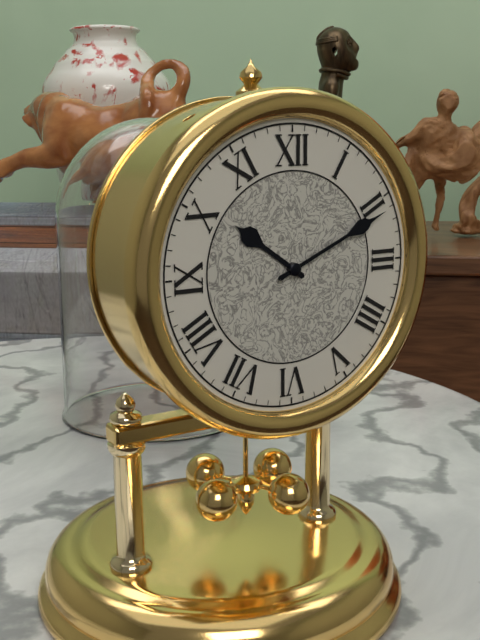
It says 10:11
